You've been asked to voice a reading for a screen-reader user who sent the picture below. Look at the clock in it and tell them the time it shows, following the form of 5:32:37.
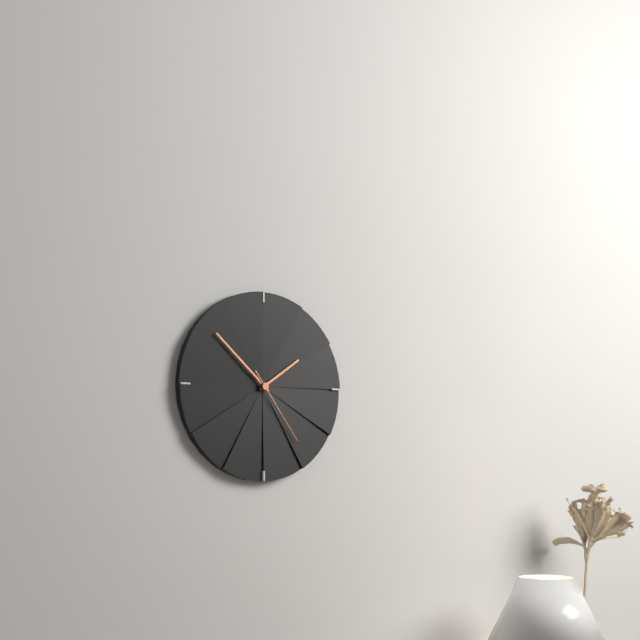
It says 1:52:24
